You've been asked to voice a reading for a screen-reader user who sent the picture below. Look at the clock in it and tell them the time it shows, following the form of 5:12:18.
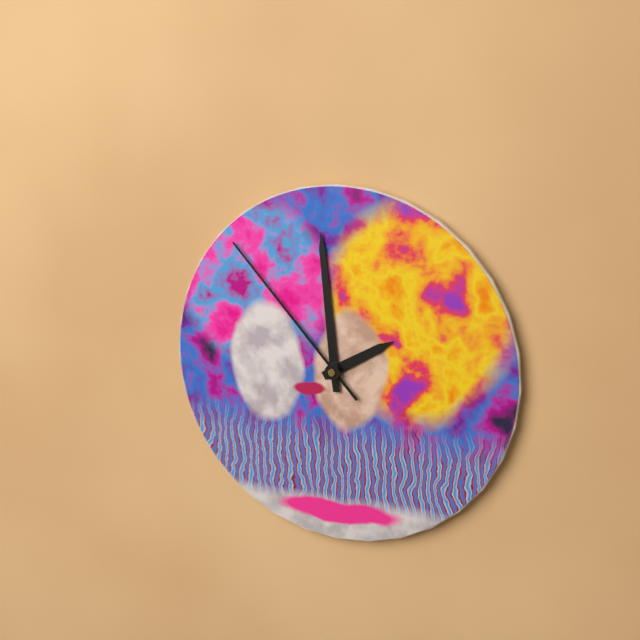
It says 1:59:53
